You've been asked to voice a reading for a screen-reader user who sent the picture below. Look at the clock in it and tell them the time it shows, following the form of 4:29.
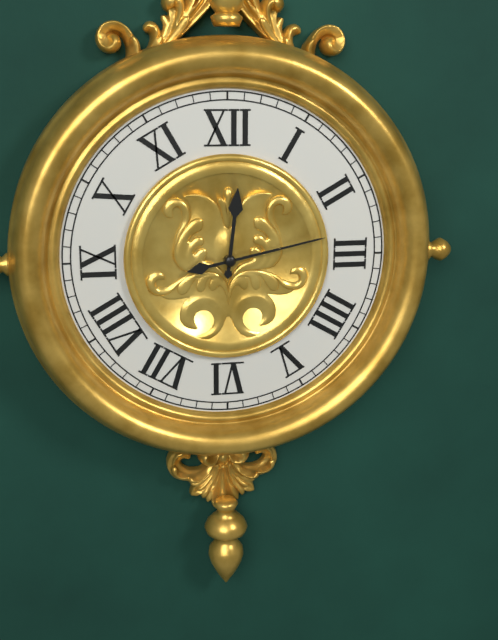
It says 12:13
